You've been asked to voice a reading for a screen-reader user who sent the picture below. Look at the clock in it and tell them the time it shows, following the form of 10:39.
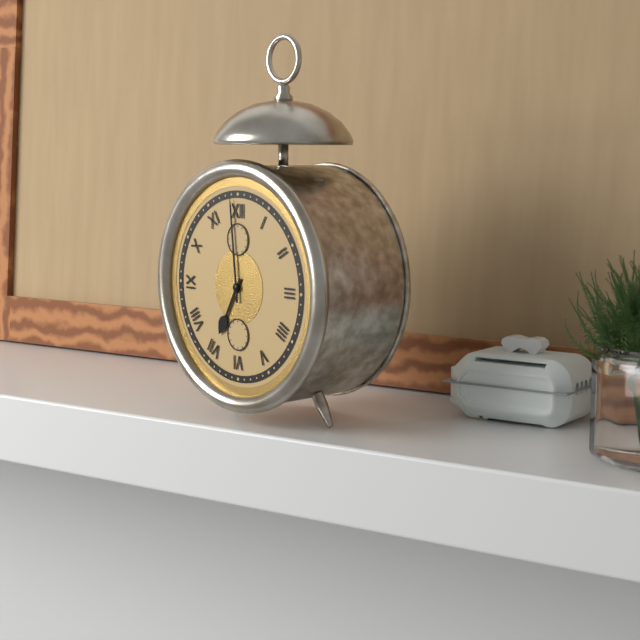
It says 6:59
